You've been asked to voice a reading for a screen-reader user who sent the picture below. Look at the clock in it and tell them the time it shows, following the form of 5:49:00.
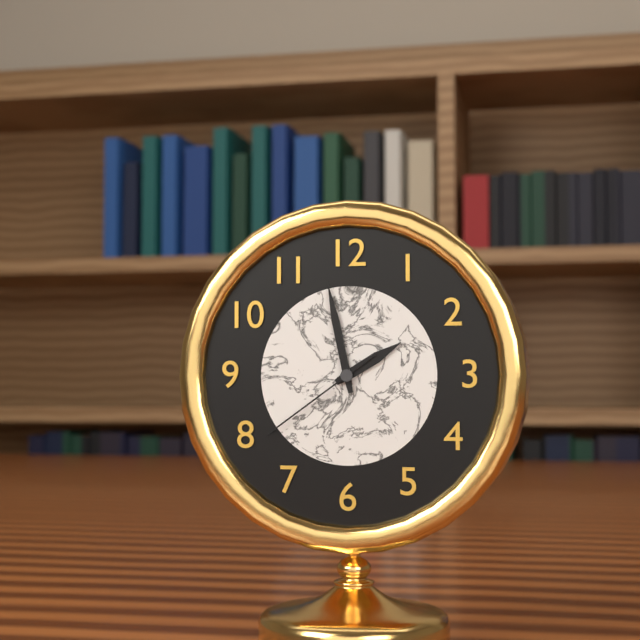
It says 1:58:39
